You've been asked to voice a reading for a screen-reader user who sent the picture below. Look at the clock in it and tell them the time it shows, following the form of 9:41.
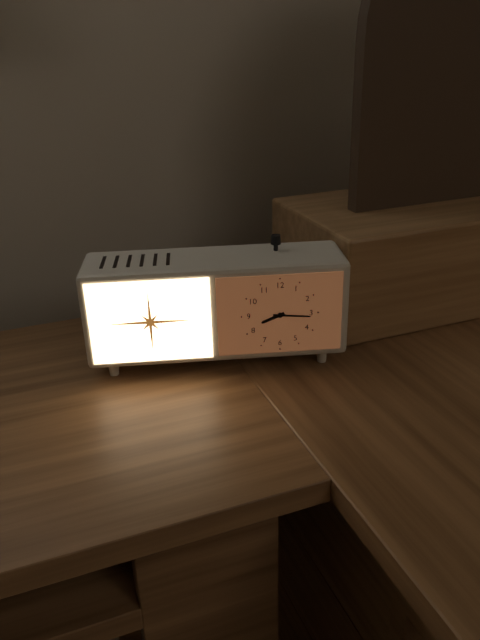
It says 8:16
